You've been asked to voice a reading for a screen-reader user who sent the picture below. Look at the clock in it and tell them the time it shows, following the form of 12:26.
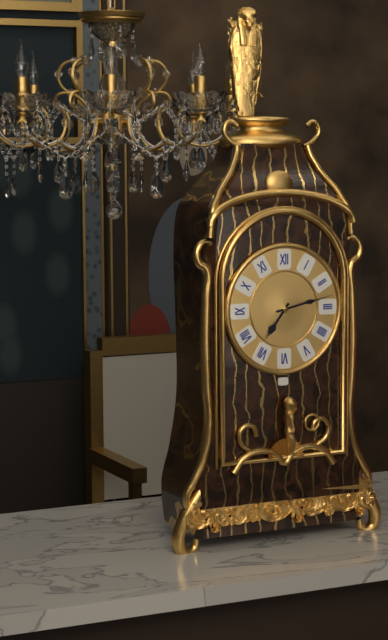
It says 7:13
